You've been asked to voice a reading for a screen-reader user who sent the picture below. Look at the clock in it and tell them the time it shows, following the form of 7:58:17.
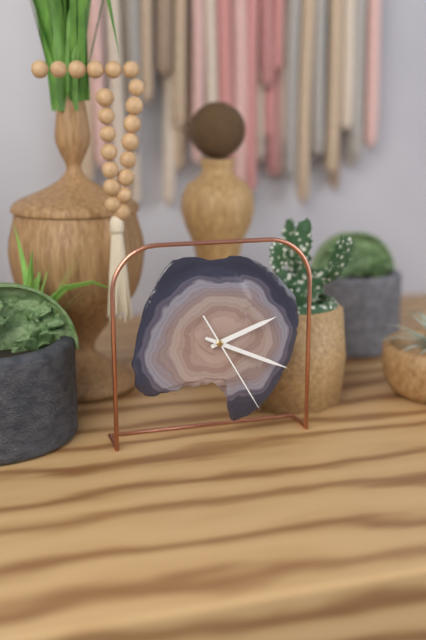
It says 2:19:25
